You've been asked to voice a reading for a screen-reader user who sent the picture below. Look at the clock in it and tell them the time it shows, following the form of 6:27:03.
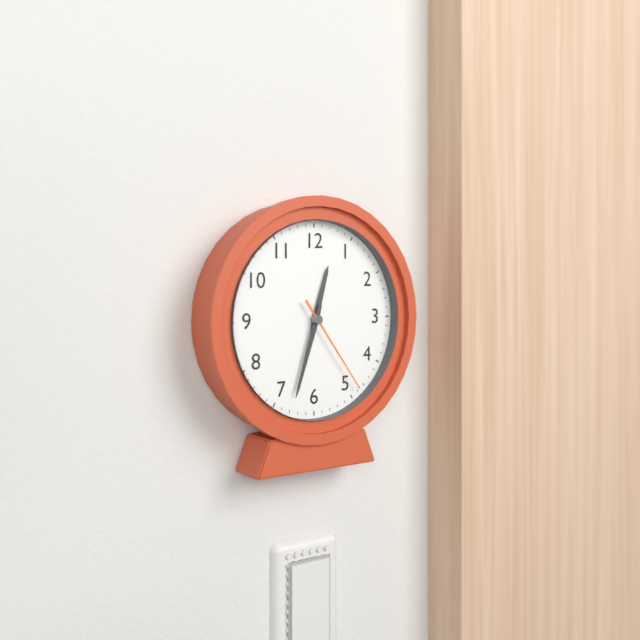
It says 12:33:24
